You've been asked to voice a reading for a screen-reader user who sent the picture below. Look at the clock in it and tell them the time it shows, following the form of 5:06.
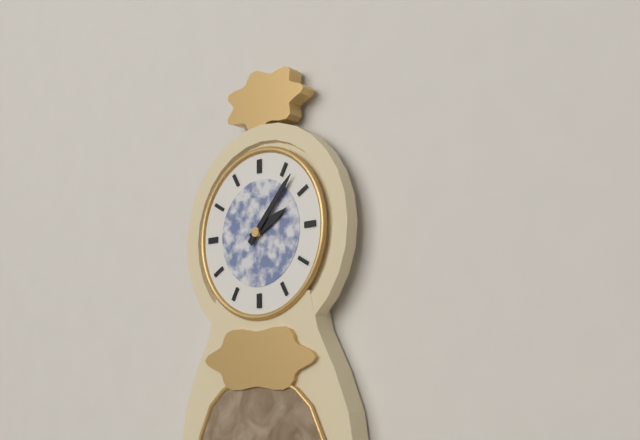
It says 2:07
